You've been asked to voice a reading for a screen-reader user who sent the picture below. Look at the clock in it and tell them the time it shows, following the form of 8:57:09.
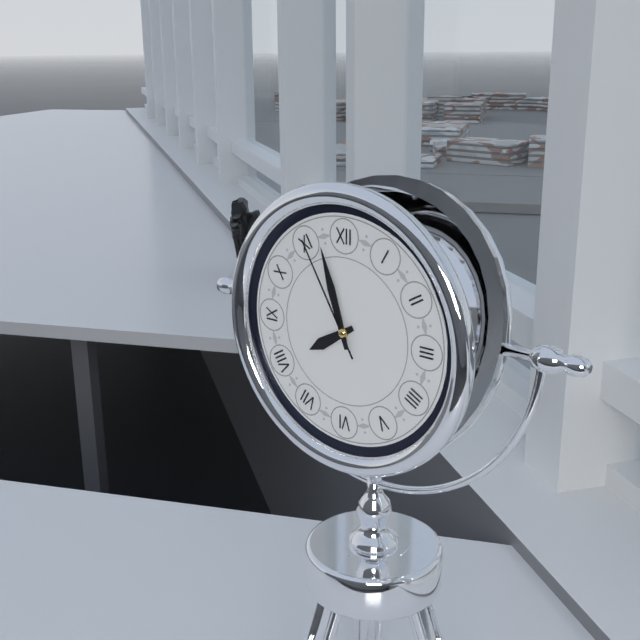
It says 7:57:55
